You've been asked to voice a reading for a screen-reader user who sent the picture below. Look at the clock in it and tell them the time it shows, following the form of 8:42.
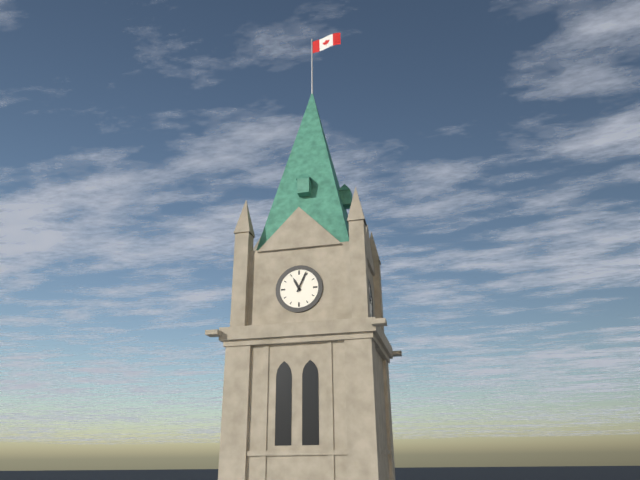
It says 11:04
